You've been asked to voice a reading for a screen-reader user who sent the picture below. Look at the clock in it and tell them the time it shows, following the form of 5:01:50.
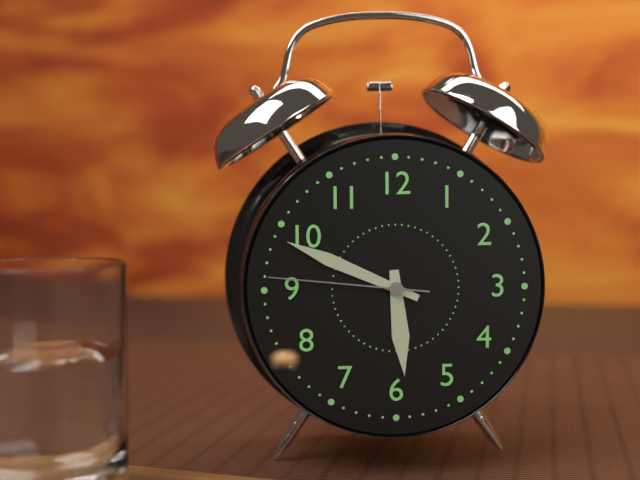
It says 5:49:46
